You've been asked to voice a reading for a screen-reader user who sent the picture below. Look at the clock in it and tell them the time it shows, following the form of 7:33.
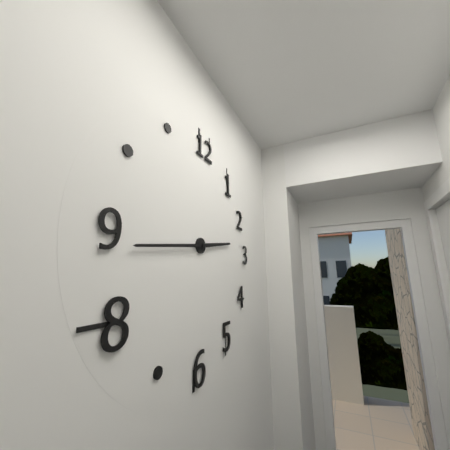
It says 2:44
